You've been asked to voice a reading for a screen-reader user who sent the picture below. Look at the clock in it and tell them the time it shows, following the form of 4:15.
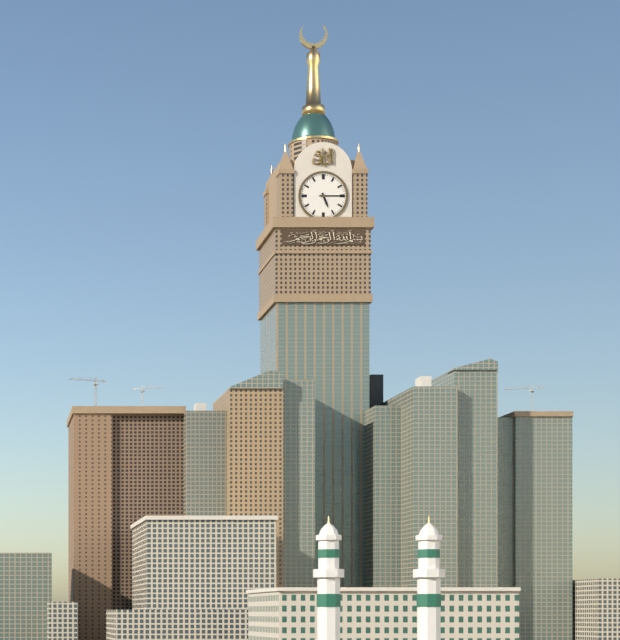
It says 5:15
